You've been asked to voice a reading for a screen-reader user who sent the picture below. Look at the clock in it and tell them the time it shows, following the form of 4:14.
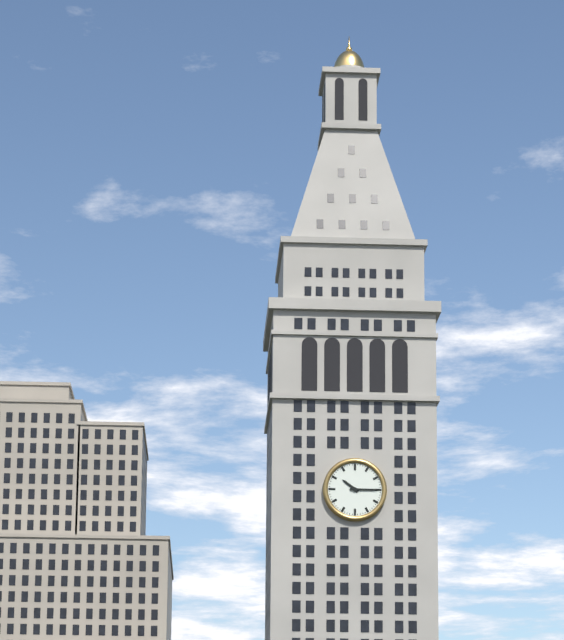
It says 10:15
